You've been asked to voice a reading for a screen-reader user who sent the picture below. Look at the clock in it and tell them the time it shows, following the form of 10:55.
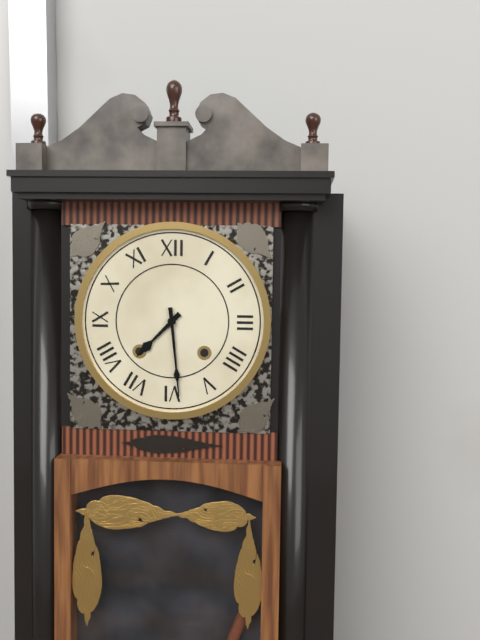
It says 7:29
